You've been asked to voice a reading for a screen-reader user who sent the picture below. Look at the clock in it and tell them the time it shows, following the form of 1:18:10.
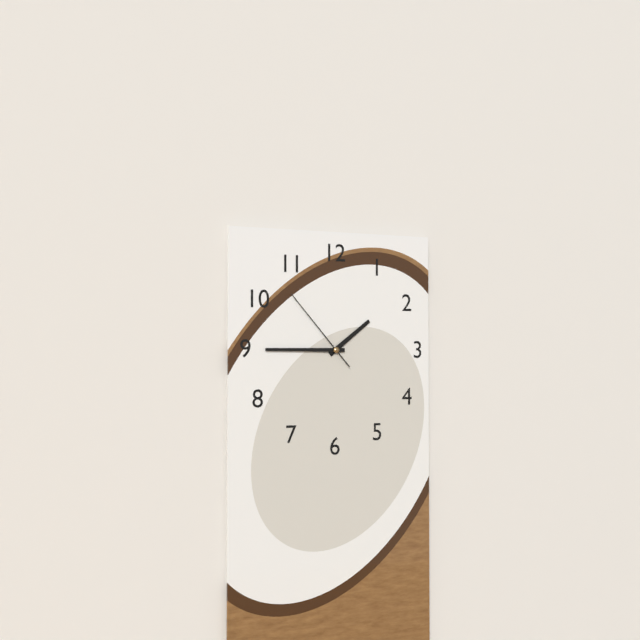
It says 1:45:53
